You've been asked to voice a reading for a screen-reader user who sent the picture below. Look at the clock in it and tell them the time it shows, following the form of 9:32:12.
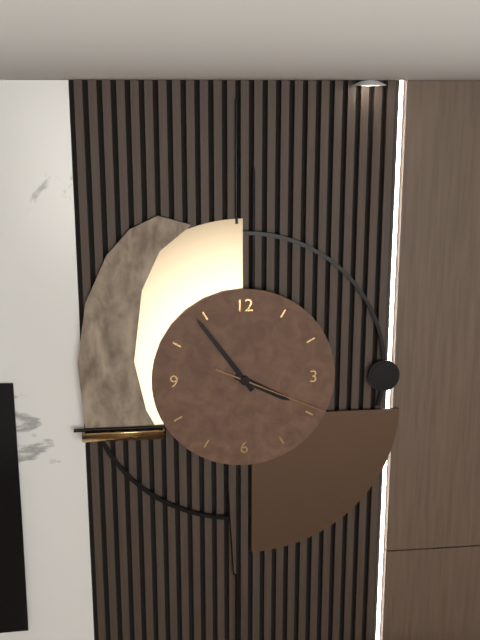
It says 3:54:19
